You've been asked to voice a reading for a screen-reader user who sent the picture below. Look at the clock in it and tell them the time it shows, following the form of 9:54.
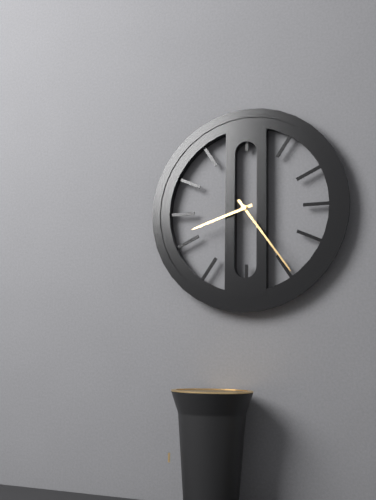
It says 8:24
